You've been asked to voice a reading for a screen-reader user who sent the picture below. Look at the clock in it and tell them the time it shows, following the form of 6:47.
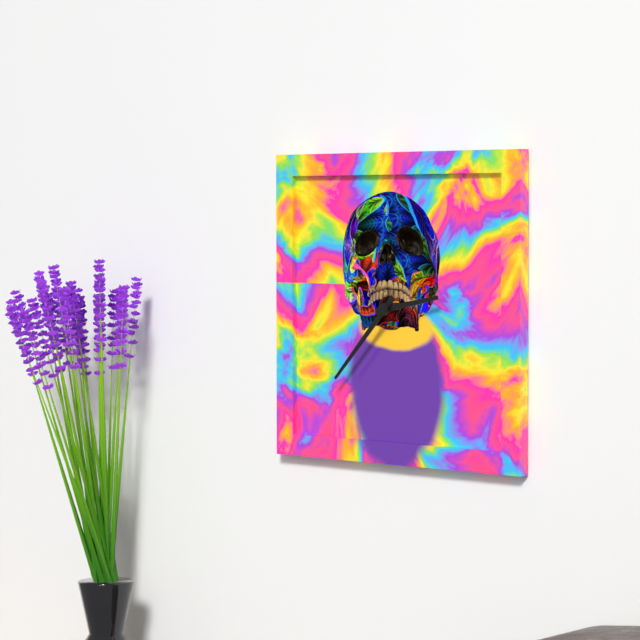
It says 2:37
